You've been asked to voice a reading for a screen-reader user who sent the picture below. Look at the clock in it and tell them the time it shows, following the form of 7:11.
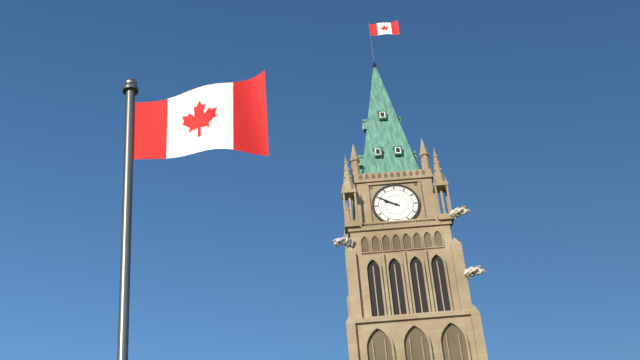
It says 9:50
